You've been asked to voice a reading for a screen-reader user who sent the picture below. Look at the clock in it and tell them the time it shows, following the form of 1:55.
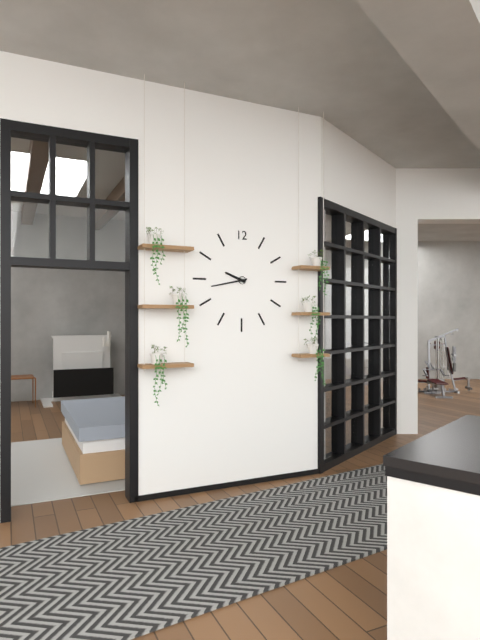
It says 9:43
